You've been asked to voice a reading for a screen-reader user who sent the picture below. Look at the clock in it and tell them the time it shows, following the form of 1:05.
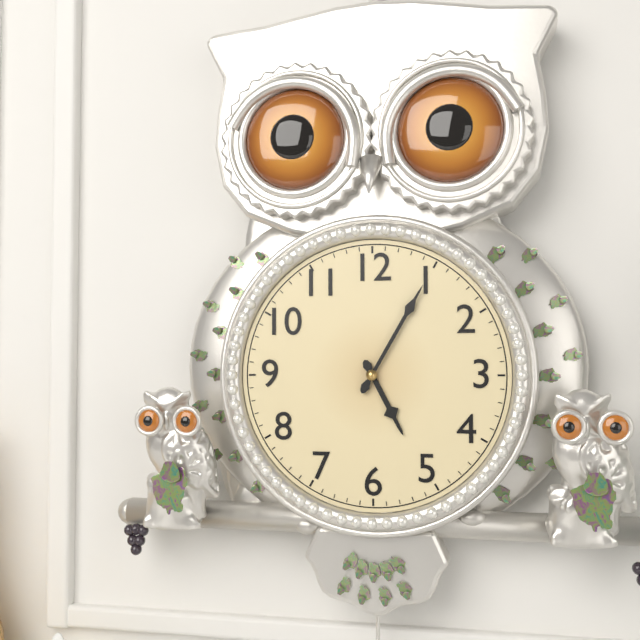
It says 5:05
